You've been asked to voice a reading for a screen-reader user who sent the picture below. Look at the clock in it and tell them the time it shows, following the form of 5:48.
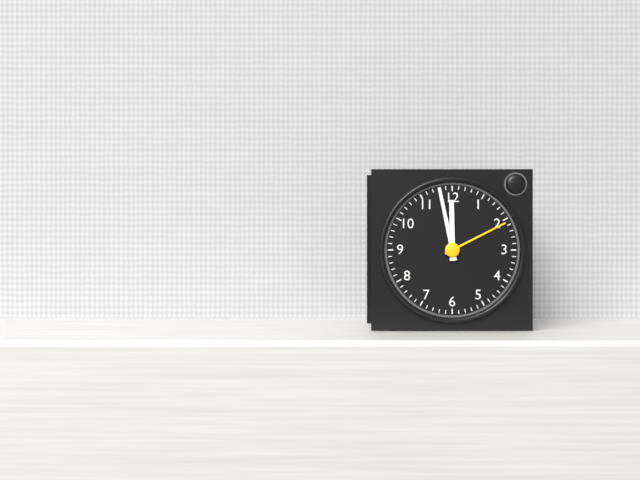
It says 11:58
